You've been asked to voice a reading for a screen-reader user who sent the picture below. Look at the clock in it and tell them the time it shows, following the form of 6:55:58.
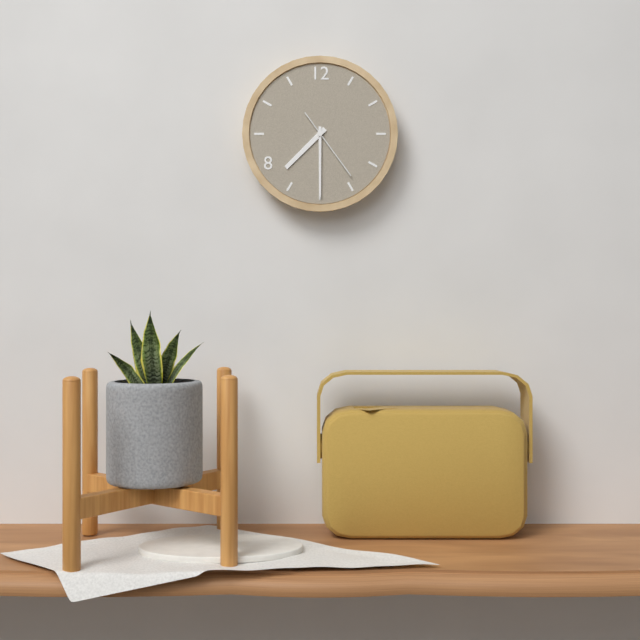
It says 7:30:24
